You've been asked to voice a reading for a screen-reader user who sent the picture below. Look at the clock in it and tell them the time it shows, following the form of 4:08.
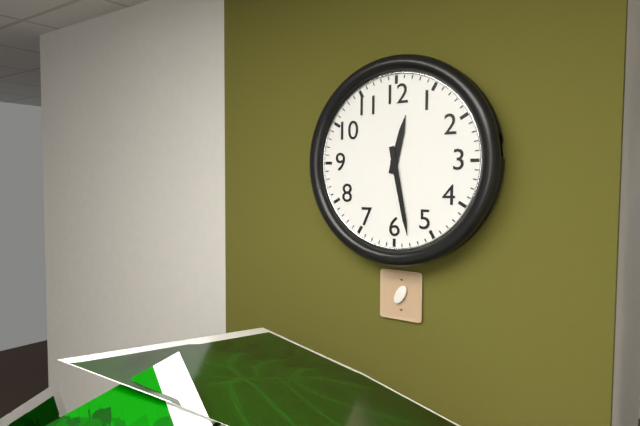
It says 12:28
